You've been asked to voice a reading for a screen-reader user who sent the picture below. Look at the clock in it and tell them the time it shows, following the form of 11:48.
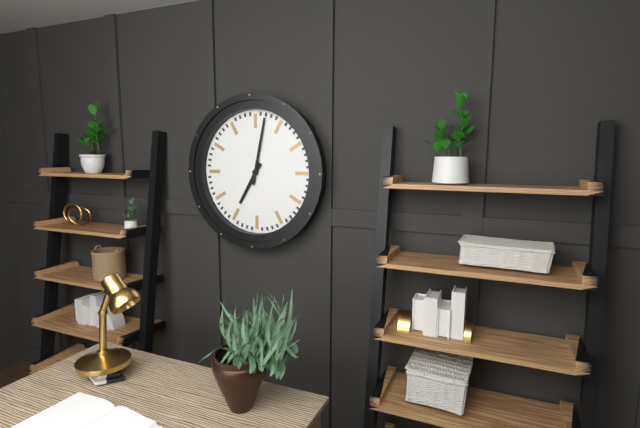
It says 7:02
